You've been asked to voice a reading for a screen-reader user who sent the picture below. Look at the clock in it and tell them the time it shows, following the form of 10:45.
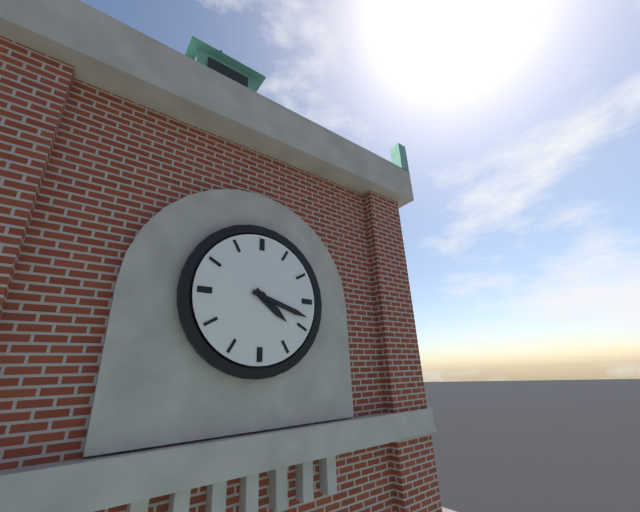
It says 4:18
